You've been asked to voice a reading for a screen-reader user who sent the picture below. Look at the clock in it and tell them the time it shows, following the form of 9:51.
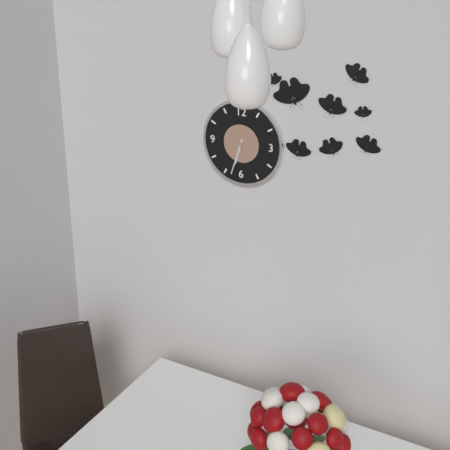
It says 6:33
